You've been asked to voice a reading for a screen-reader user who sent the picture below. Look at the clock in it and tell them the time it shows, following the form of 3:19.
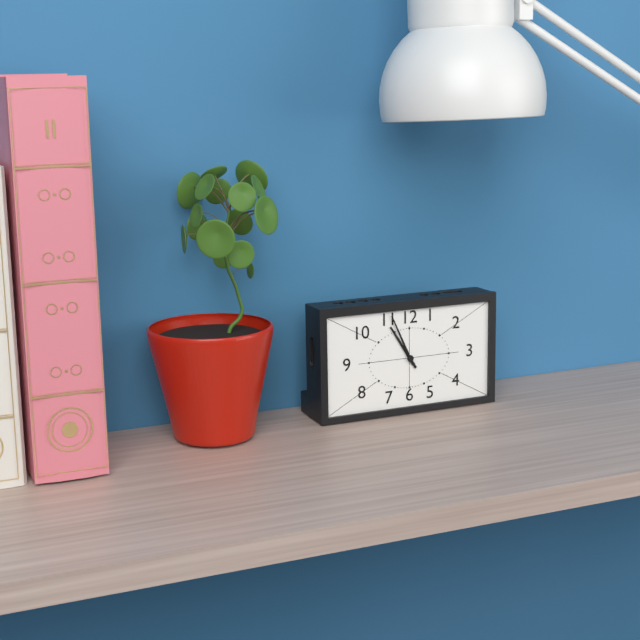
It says 10:56
